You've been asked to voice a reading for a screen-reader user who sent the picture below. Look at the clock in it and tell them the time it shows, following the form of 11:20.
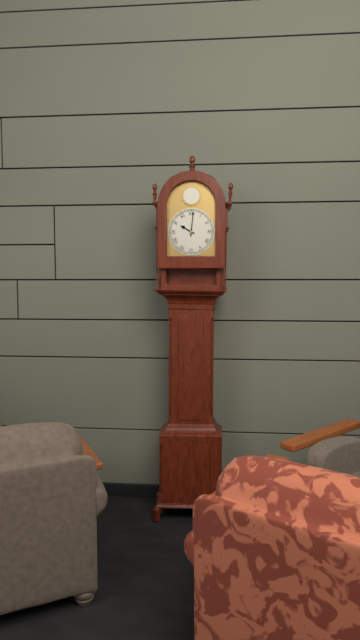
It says 10:01
